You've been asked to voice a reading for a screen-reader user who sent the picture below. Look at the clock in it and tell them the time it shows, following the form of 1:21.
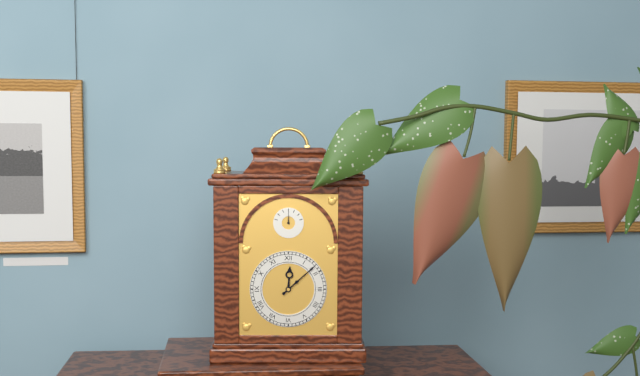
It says 12:08
